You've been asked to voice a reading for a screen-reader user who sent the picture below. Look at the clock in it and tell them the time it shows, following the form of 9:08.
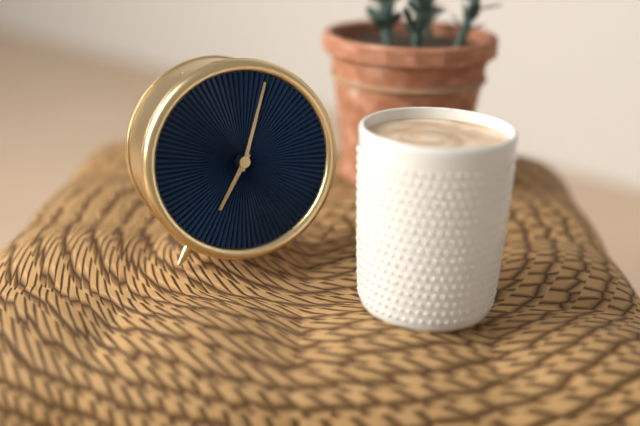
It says 7:03
